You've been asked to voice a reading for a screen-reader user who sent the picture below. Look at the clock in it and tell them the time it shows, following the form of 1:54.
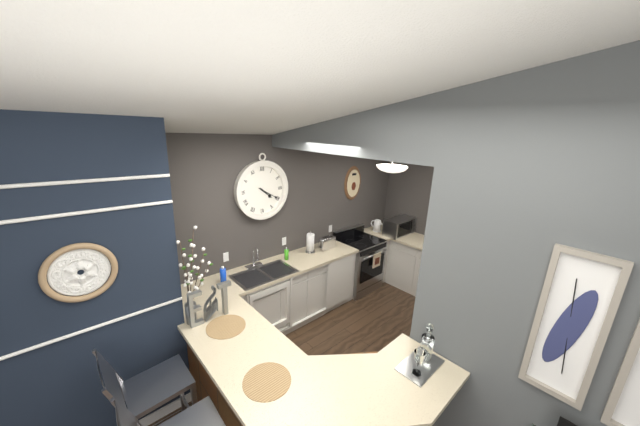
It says 4:20
